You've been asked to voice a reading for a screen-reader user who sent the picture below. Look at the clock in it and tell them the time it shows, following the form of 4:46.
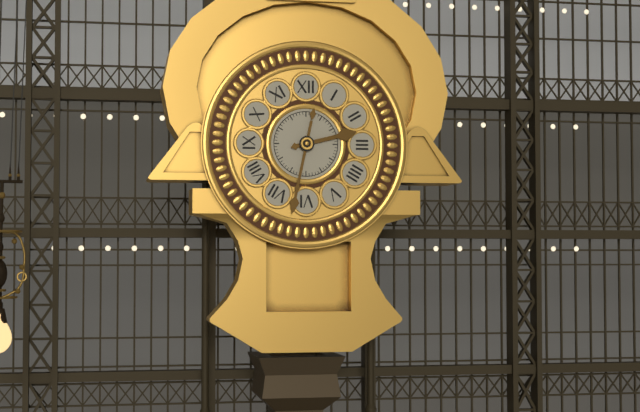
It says 2:32
